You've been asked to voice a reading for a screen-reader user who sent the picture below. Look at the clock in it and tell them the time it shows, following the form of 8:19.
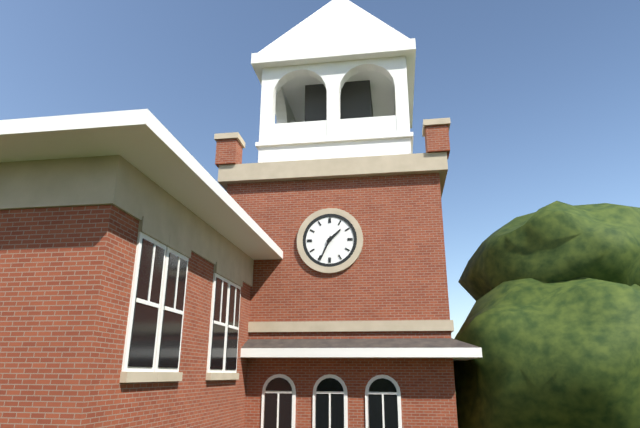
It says 1:34
